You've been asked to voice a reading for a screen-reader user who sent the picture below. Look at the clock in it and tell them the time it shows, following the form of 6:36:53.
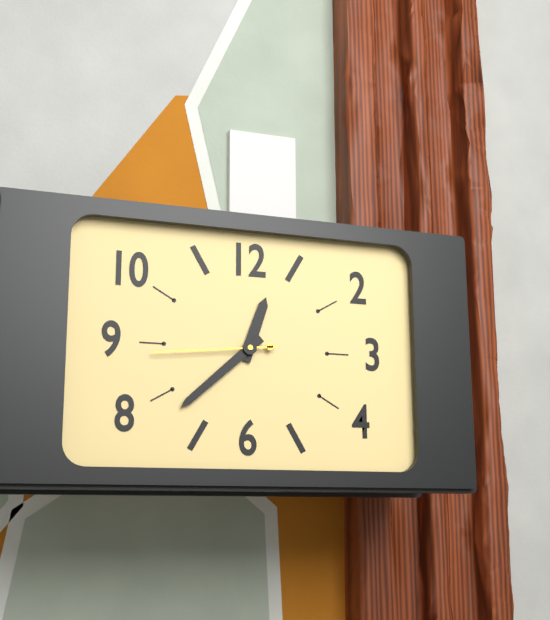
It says 12:38:44
